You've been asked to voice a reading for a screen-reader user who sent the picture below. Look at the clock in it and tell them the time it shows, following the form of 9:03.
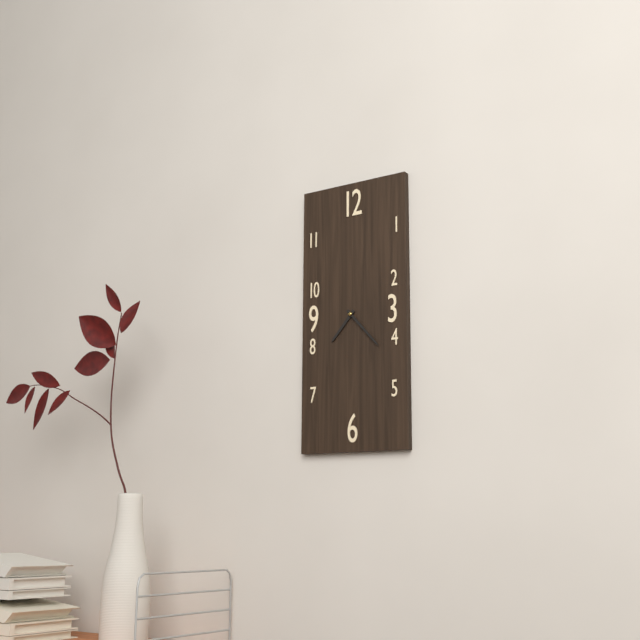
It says 7:23
